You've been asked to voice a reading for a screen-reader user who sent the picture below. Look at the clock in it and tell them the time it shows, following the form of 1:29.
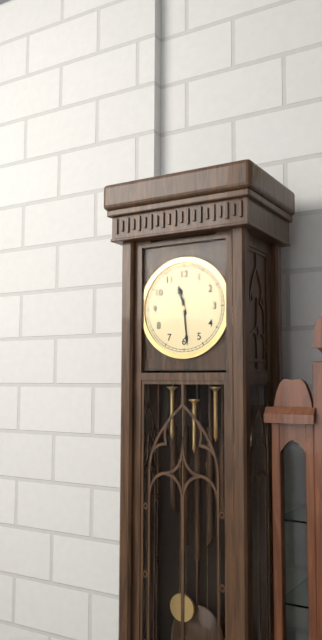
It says 11:29
